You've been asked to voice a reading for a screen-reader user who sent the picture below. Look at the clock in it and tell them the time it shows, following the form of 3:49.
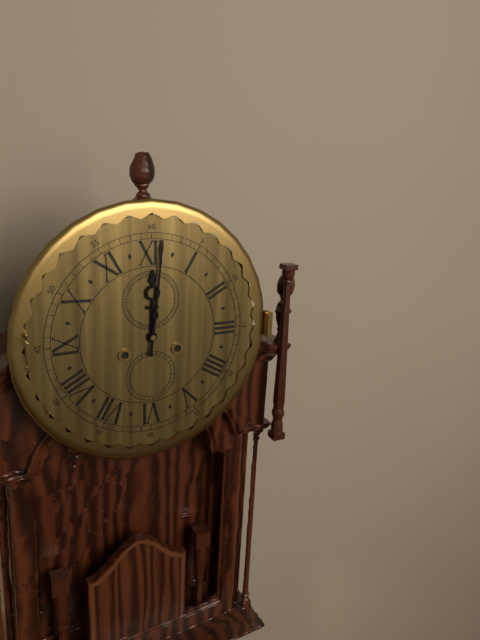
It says 12:01
